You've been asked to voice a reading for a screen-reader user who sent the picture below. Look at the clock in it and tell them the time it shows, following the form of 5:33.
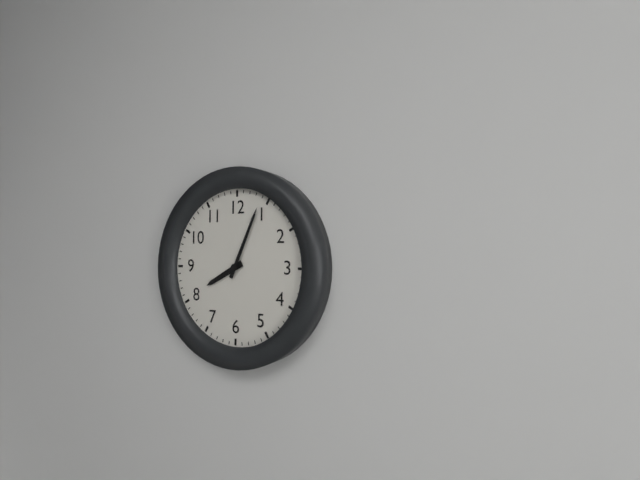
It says 8:04
